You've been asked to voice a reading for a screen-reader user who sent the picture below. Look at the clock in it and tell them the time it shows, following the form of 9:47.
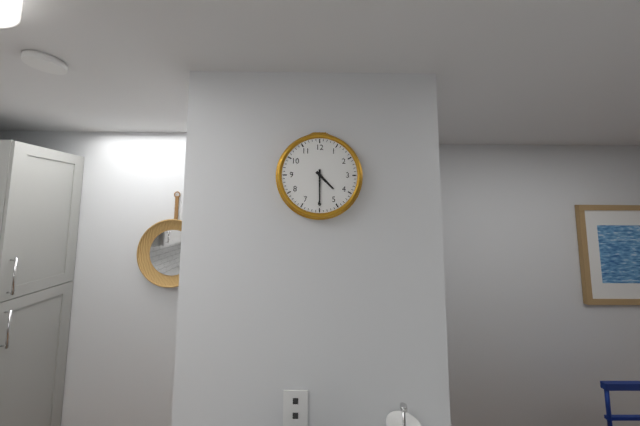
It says 4:30
